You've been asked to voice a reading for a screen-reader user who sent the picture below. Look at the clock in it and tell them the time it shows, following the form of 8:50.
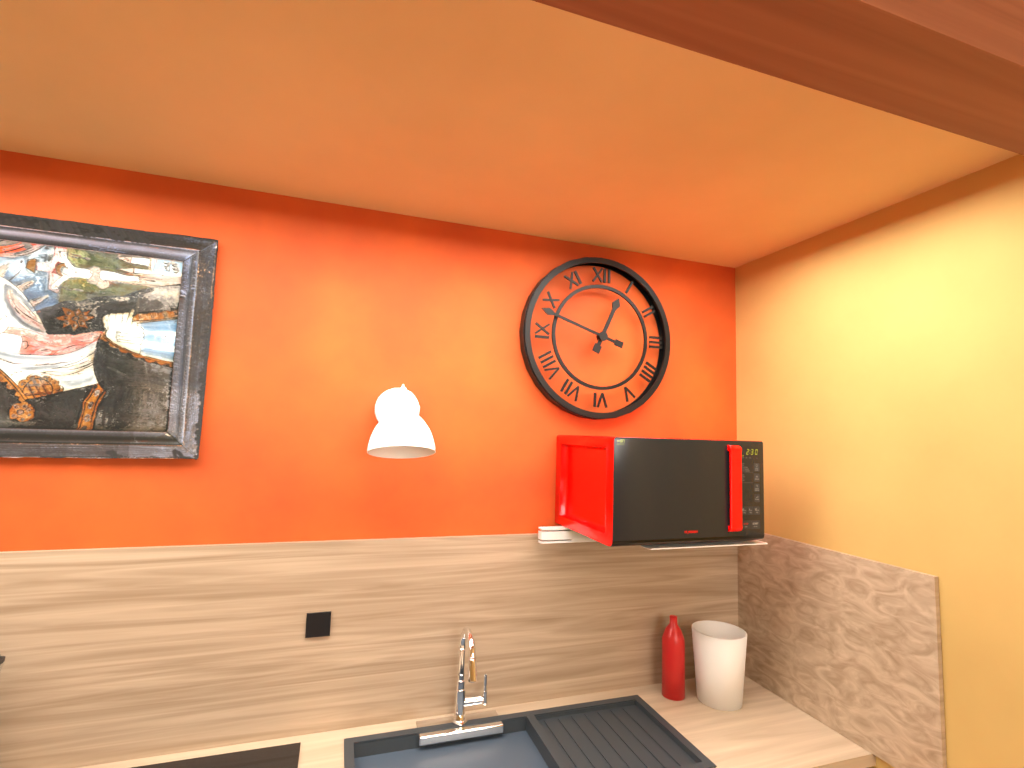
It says 12:48
